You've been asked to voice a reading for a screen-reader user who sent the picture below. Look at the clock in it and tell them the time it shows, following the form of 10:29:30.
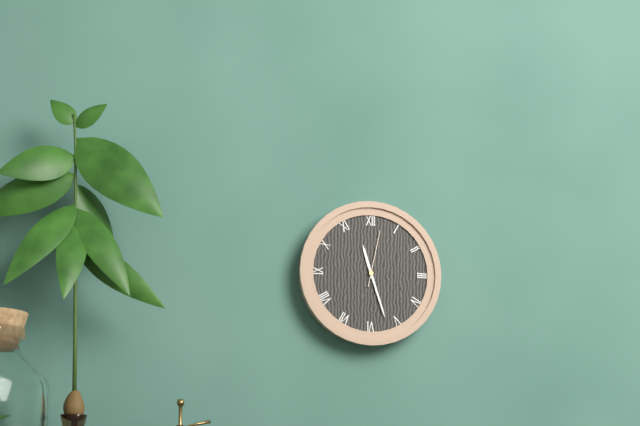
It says 11:27:02
